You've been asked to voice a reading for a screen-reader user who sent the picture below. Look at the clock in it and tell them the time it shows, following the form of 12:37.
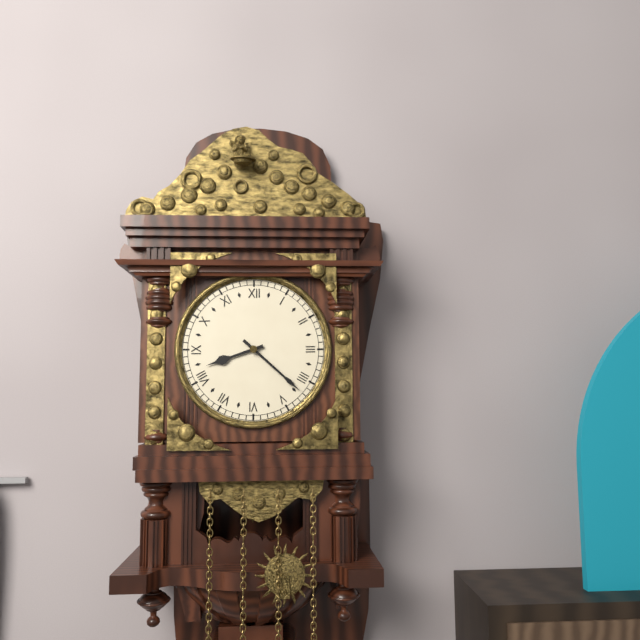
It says 8:22
